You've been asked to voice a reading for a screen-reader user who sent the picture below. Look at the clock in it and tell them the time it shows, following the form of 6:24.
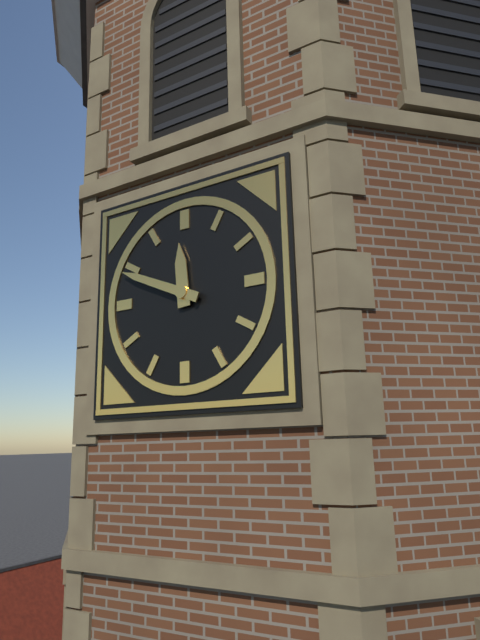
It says 11:49
